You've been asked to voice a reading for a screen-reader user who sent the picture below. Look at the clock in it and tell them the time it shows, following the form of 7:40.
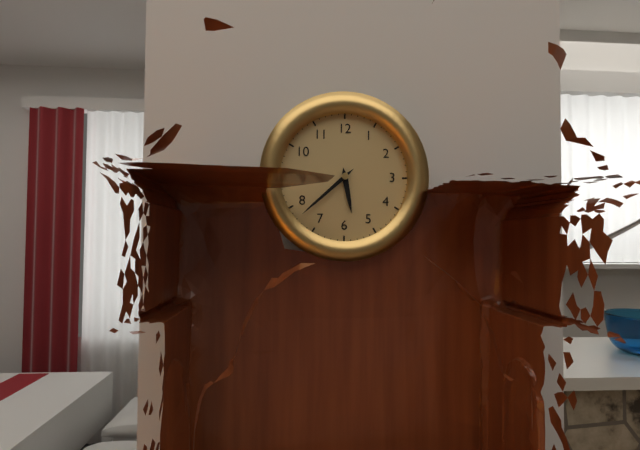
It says 5:38
